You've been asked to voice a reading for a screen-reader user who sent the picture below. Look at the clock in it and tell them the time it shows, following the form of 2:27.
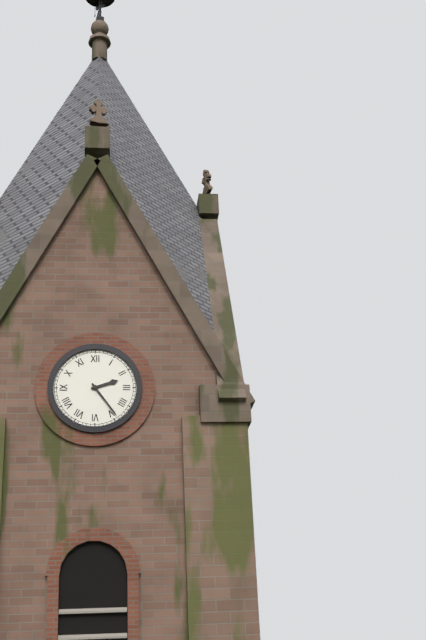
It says 2:24
